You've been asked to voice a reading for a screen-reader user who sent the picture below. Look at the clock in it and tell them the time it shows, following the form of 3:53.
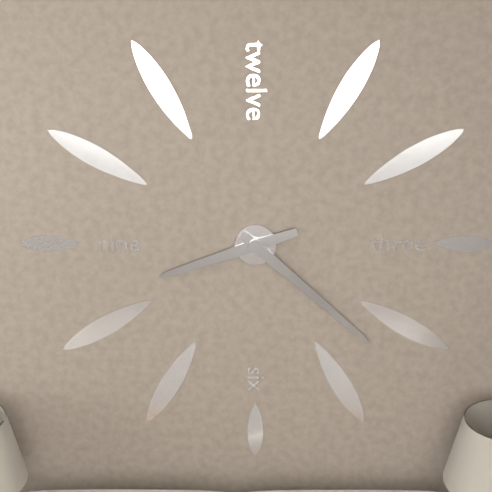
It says 8:22
